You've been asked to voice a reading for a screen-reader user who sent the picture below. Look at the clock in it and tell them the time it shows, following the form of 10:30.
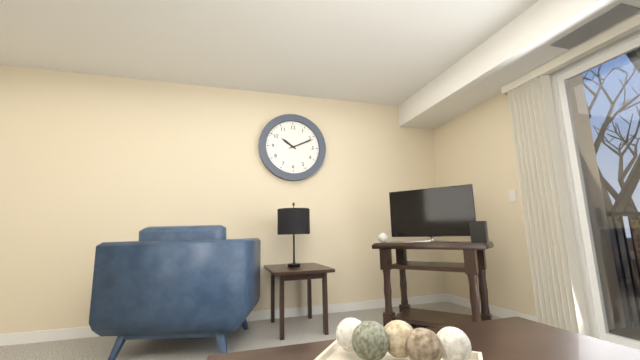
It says 10:11
